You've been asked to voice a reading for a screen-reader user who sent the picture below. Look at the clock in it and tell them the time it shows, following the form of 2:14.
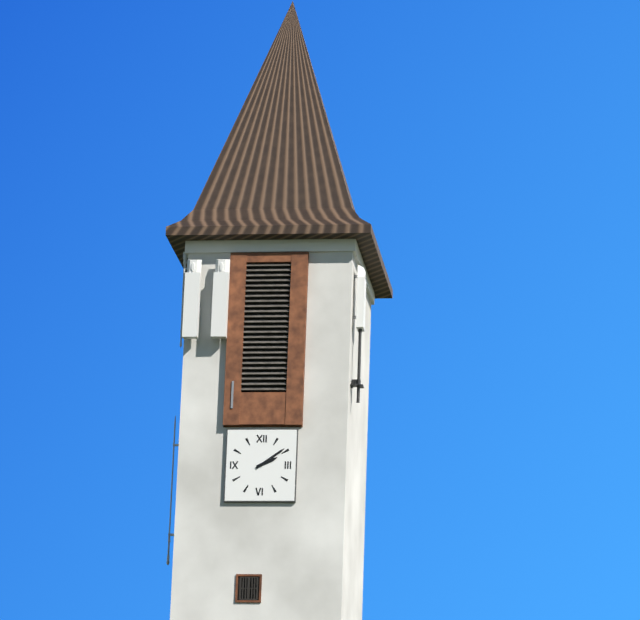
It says 2:09
